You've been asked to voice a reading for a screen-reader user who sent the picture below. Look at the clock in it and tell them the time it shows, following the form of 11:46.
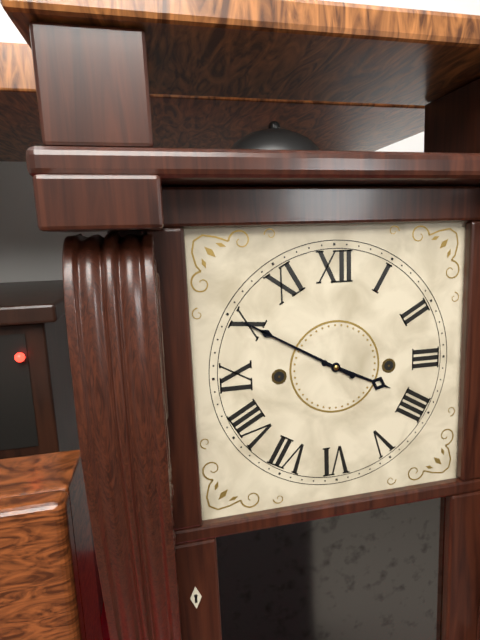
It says 3:50
